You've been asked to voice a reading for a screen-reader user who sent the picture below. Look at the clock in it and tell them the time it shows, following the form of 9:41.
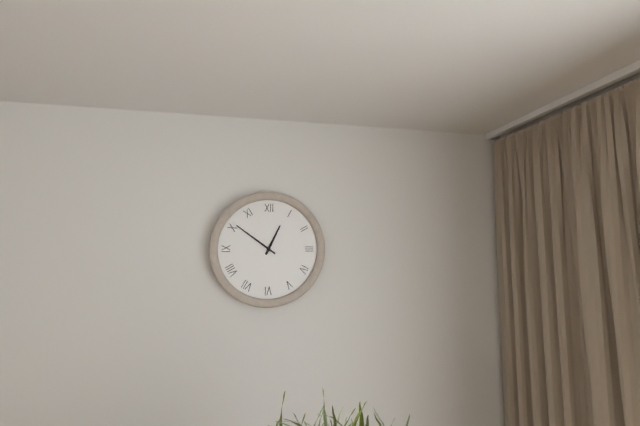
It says 12:51
